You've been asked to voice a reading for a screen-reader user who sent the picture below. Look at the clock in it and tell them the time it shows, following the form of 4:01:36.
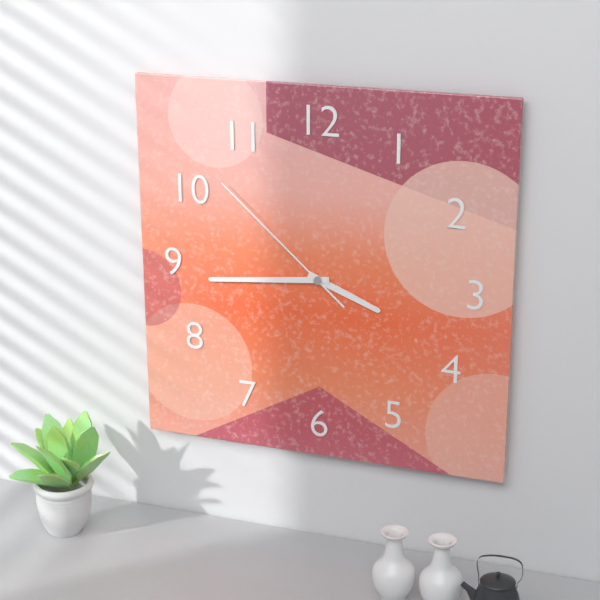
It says 3:44:52
